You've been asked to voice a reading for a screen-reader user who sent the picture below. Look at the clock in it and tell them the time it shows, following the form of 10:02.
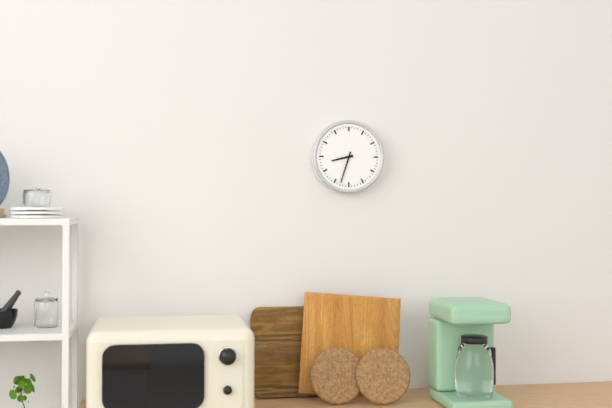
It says 8:33
